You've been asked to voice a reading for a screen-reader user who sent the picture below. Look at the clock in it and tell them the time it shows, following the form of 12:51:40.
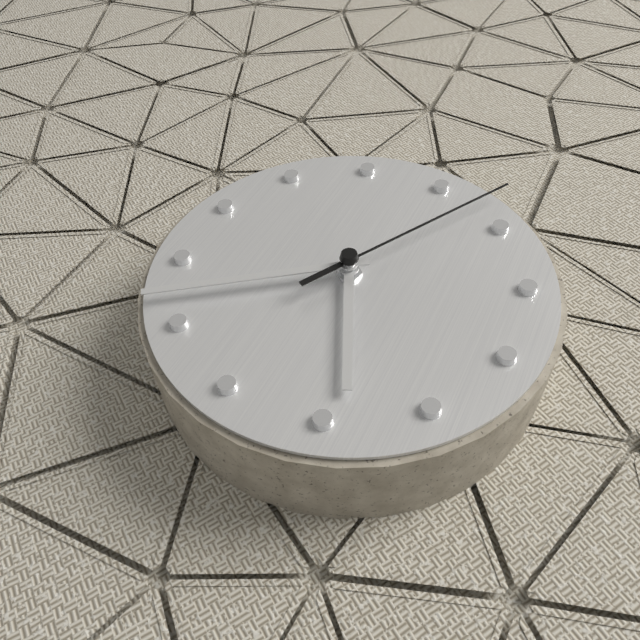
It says 6:47:13
